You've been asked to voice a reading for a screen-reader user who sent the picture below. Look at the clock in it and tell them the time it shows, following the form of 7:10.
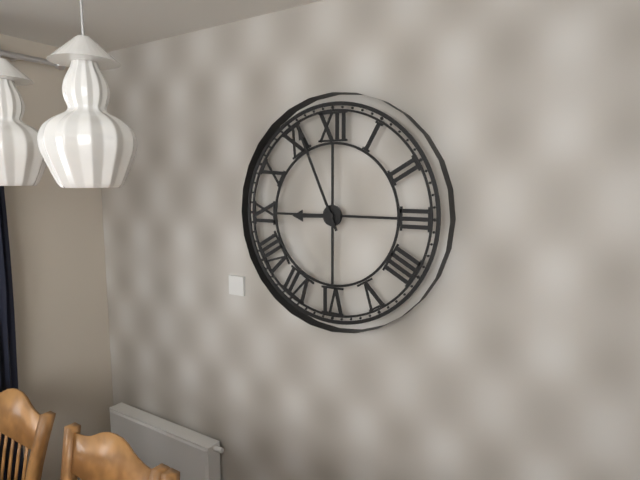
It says 8:56
